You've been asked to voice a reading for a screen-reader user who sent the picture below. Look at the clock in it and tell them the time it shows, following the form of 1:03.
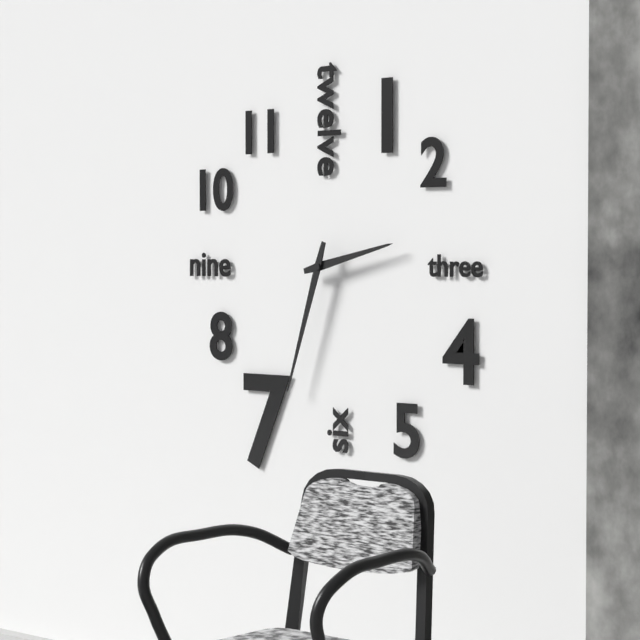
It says 2:33
